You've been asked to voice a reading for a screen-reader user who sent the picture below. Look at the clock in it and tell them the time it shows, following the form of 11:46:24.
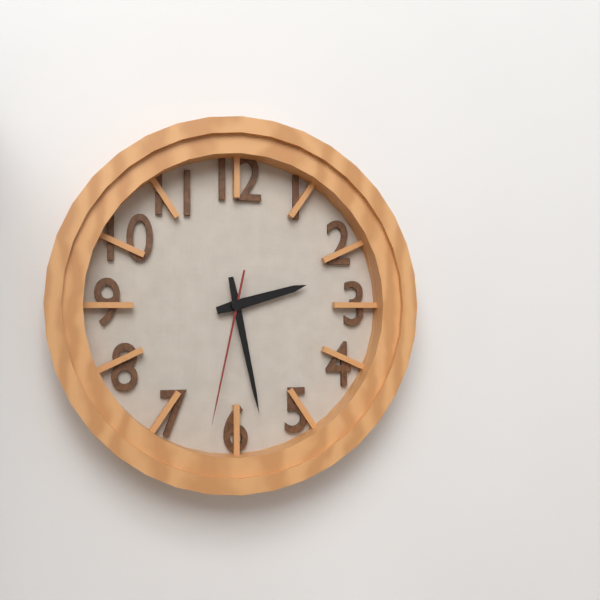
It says 2:28:32
